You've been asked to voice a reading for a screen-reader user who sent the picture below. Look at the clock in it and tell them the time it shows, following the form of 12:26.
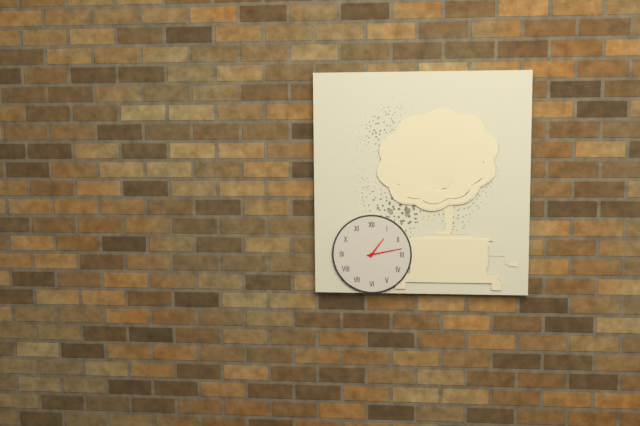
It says 1:13
